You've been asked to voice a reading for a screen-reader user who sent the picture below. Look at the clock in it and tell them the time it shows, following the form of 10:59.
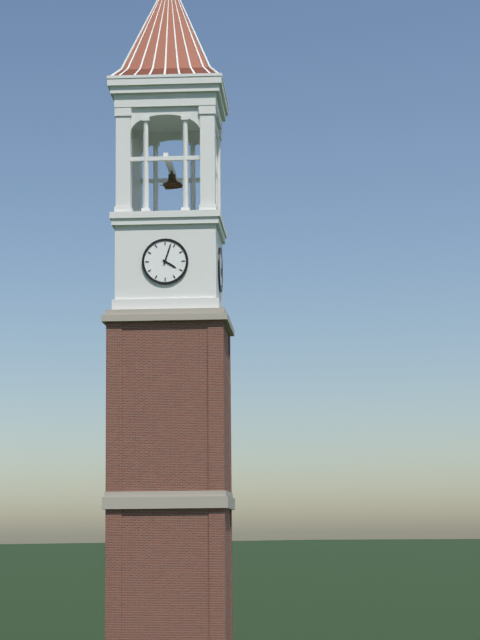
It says 4:03
